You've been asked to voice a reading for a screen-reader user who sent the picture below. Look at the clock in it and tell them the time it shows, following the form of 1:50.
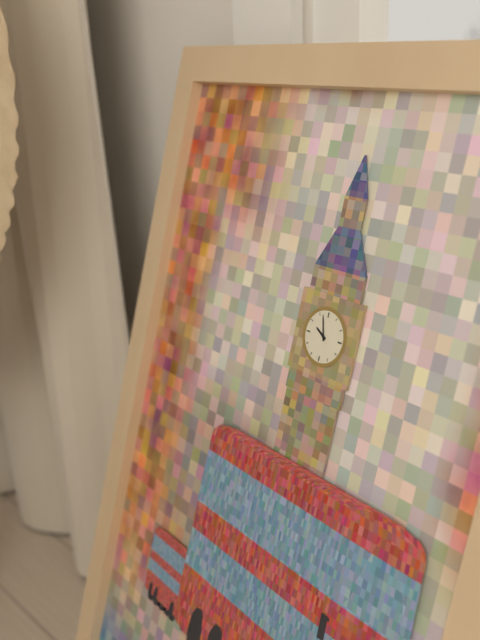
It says 9:57
